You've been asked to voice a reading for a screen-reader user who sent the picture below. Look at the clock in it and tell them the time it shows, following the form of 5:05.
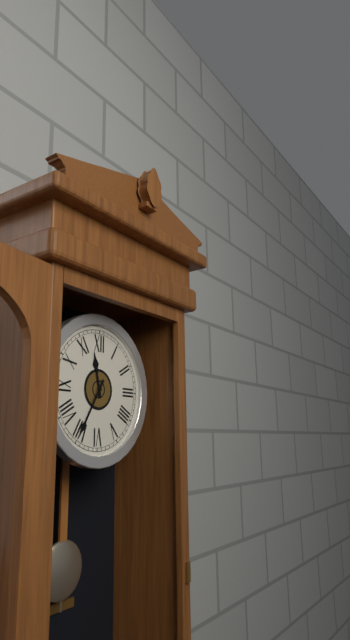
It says 11:35
